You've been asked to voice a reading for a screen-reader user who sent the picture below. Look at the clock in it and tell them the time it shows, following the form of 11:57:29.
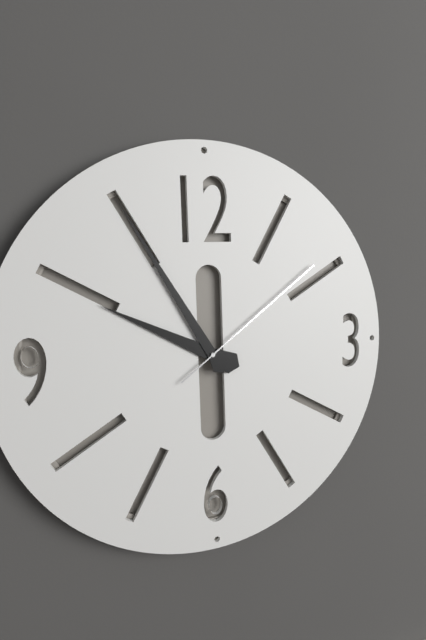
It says 9:55:09
